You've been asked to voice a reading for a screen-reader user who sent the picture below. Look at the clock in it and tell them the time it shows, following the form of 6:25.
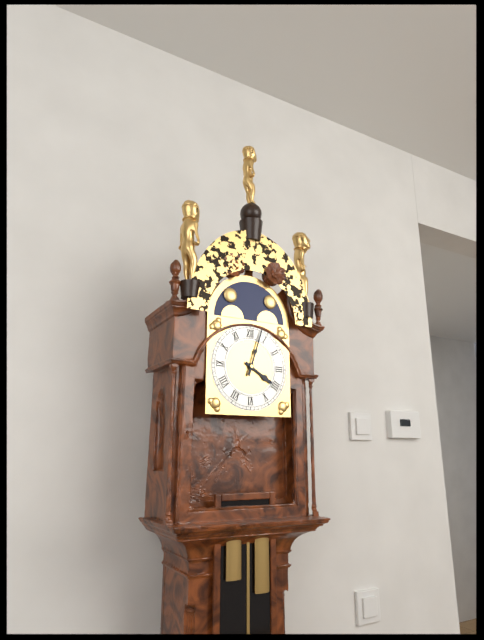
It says 4:03
